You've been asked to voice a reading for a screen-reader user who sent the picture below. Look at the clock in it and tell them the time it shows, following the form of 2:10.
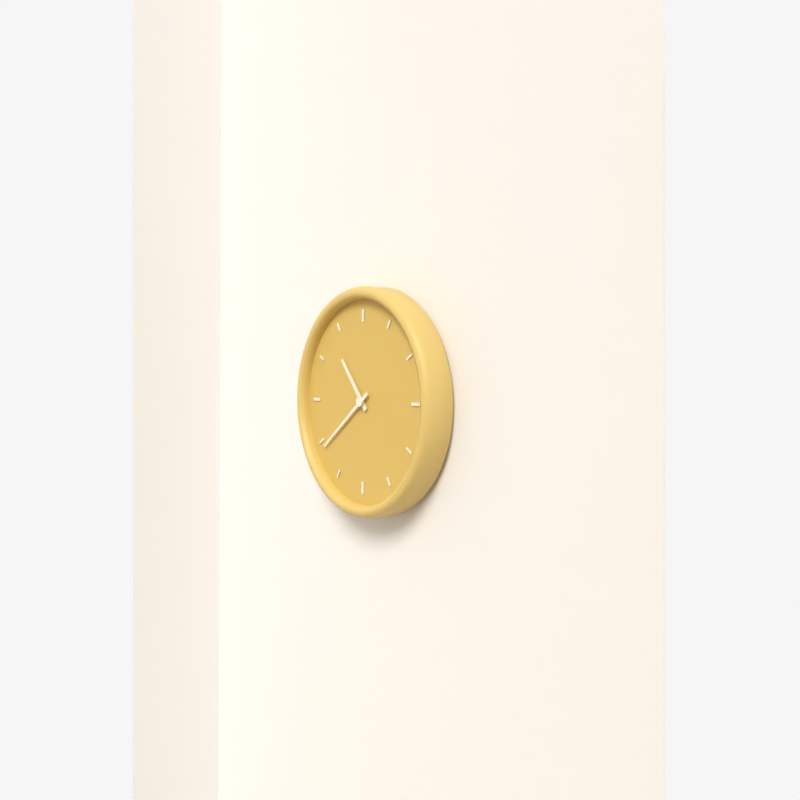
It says 10:39
